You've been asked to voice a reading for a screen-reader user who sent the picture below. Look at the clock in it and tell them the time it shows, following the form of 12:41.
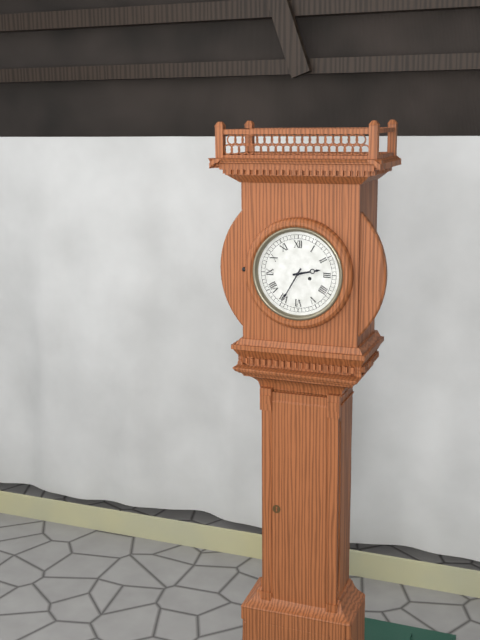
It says 2:35
